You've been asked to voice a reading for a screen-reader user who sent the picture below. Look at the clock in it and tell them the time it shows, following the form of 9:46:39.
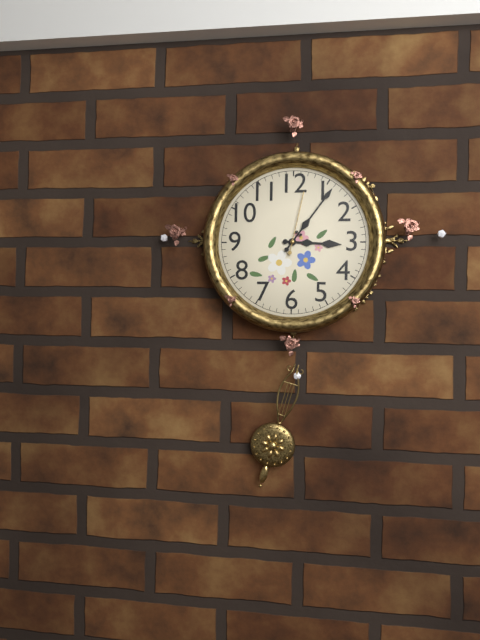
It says 3:06:02
